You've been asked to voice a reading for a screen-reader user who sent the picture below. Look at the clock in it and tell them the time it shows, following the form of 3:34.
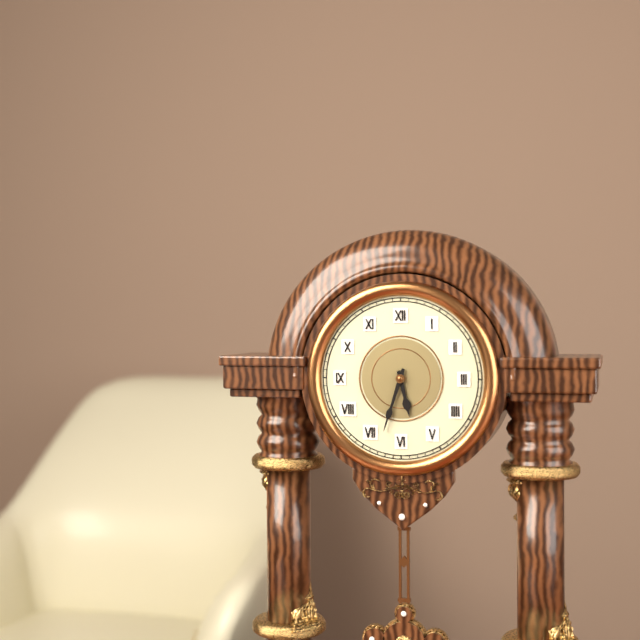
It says 5:33
